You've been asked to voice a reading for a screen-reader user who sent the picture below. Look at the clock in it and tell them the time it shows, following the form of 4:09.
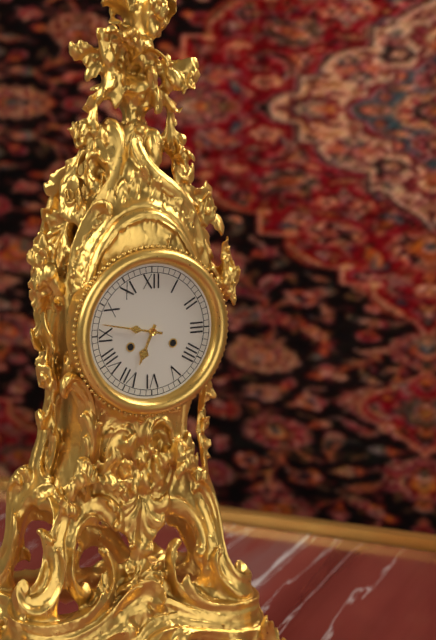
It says 6:47
